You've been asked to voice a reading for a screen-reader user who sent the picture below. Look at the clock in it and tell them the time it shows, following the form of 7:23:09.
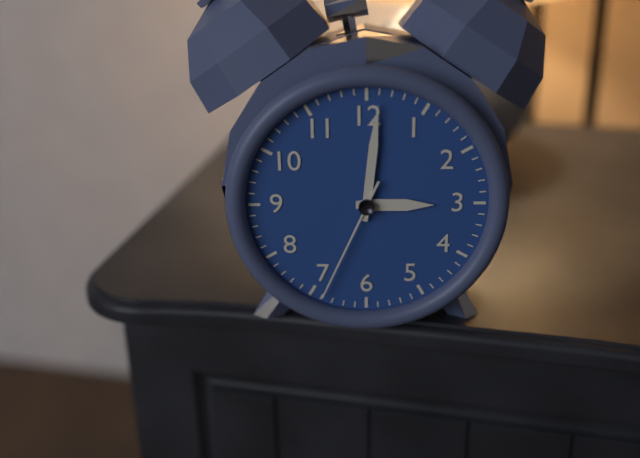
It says 3:01:34
